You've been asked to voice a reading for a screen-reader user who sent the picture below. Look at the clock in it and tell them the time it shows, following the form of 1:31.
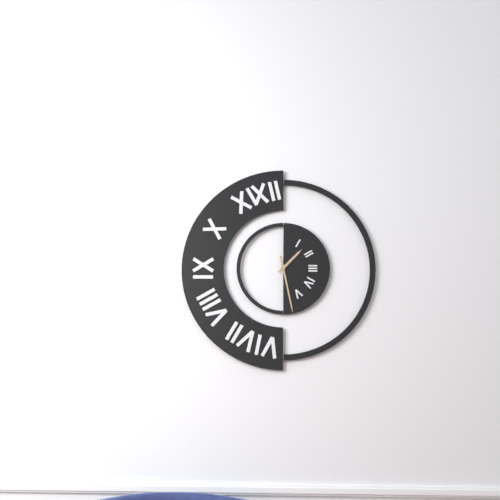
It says 1:28
